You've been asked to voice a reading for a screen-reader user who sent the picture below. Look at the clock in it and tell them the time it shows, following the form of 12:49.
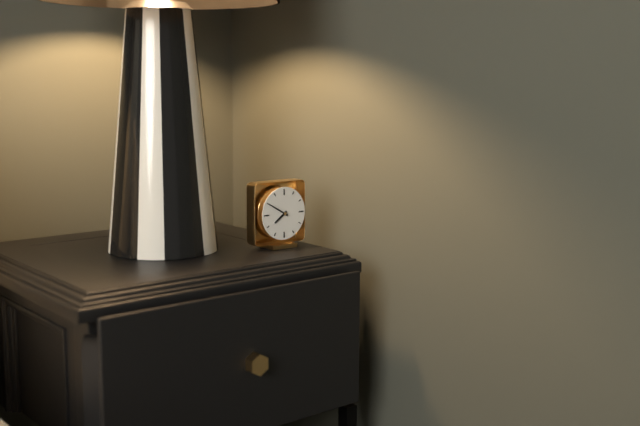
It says 7:50
